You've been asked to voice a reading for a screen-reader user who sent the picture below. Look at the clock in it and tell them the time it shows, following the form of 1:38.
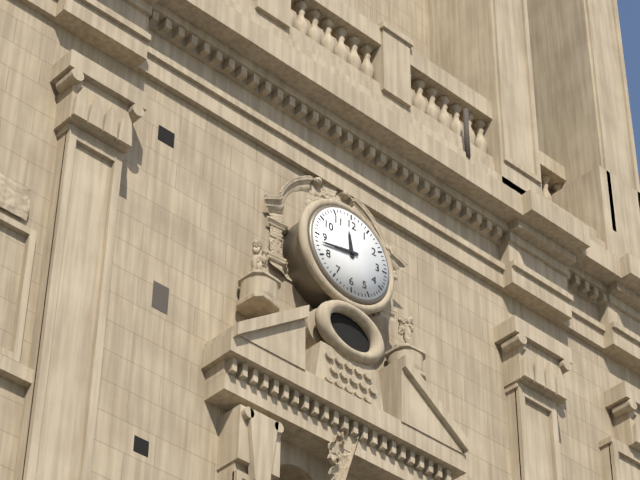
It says 11:43
